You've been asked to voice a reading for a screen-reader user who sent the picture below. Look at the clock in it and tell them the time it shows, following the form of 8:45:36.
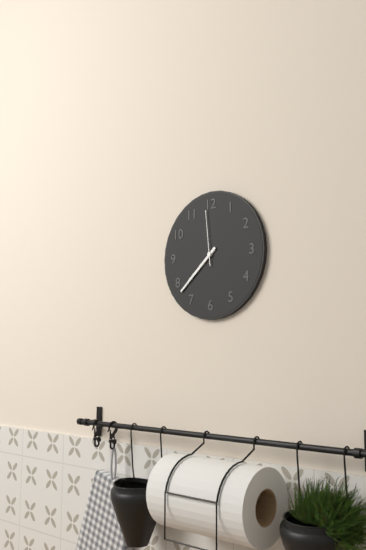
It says 7:38:59
